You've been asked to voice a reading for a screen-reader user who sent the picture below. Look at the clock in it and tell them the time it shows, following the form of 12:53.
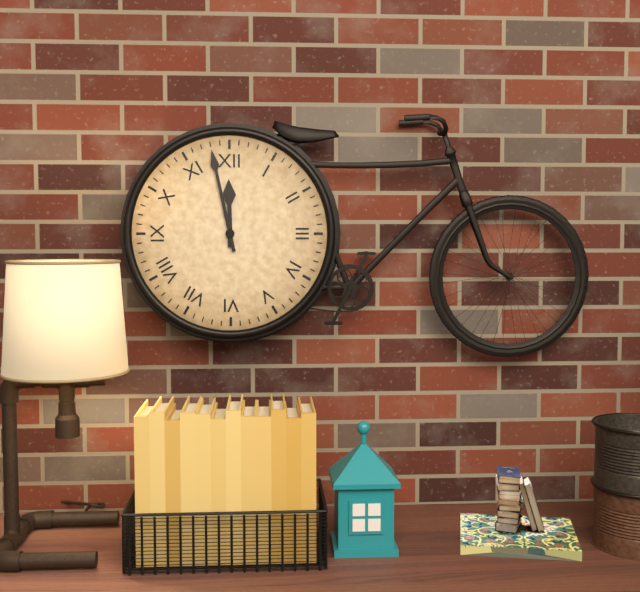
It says 11:58
